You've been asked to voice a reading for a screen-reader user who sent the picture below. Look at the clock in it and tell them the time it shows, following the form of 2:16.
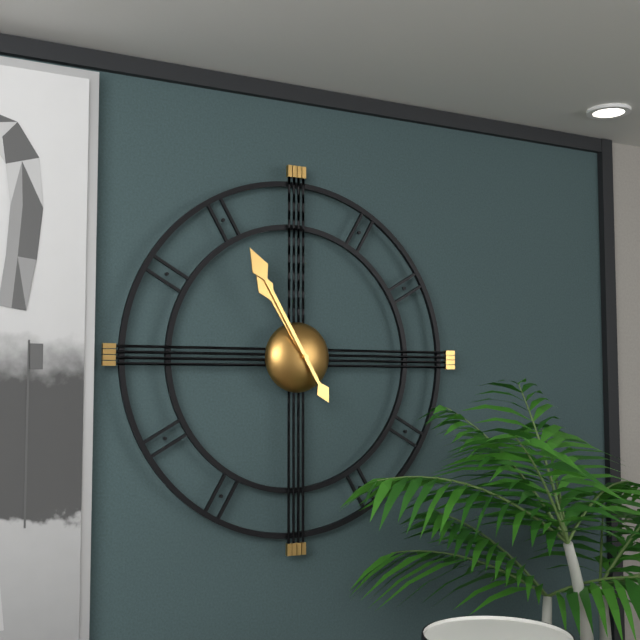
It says 10:55
